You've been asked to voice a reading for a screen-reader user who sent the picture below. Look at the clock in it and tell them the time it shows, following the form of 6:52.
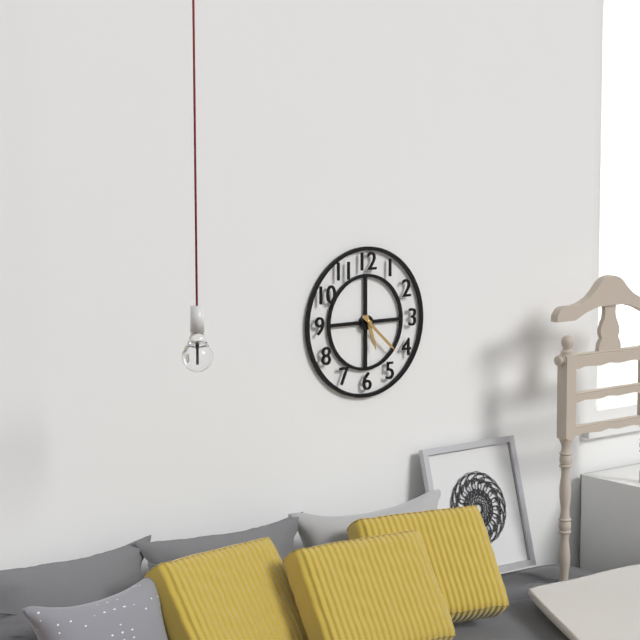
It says 5:22
